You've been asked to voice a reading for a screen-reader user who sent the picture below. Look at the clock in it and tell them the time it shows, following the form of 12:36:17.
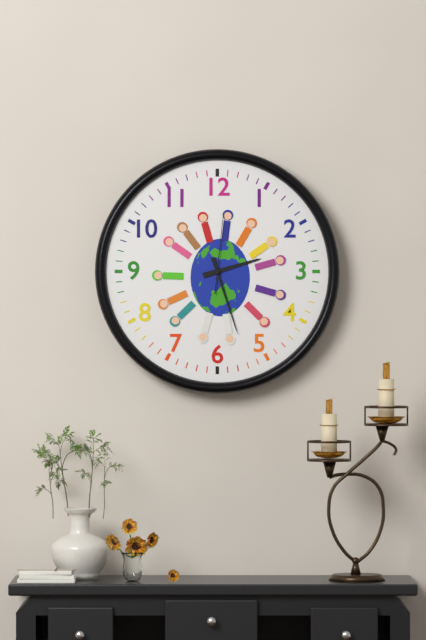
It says 2:27:01
